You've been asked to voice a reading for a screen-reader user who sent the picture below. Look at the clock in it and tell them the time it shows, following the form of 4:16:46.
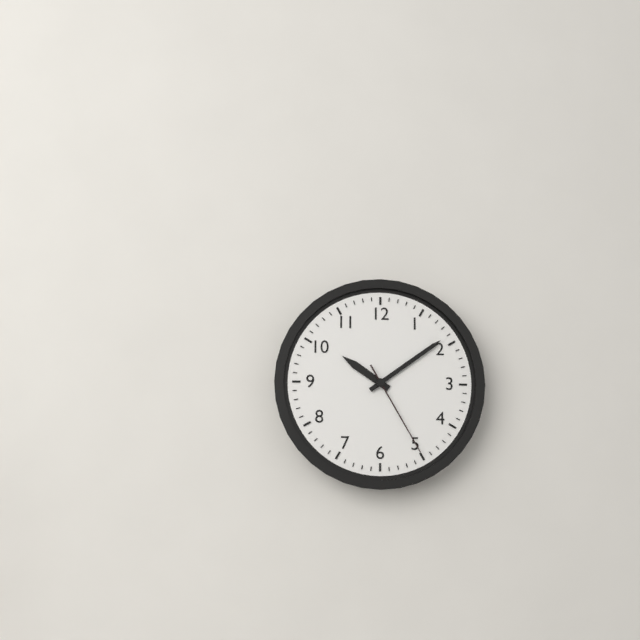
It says 10:09:25
